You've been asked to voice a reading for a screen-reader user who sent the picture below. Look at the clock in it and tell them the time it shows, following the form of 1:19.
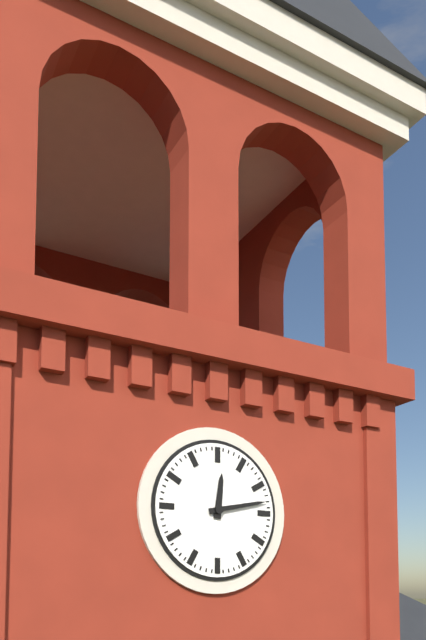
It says 12:13
